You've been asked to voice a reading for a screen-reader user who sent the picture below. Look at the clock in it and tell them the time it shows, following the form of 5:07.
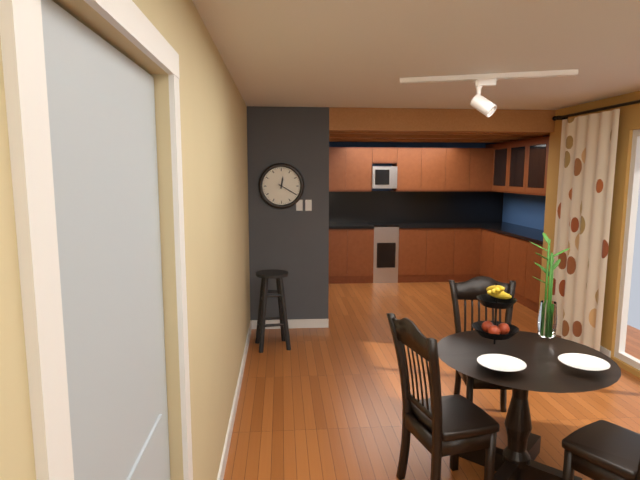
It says 12:20
